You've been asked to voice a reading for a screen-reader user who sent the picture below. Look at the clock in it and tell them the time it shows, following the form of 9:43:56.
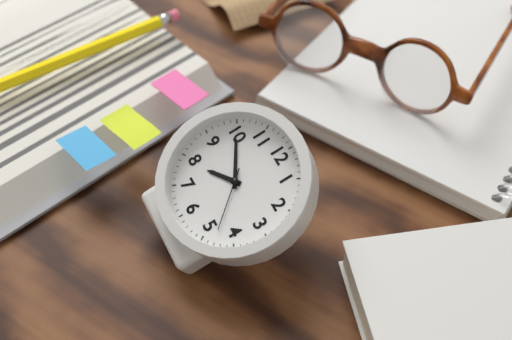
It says 7:50:23
